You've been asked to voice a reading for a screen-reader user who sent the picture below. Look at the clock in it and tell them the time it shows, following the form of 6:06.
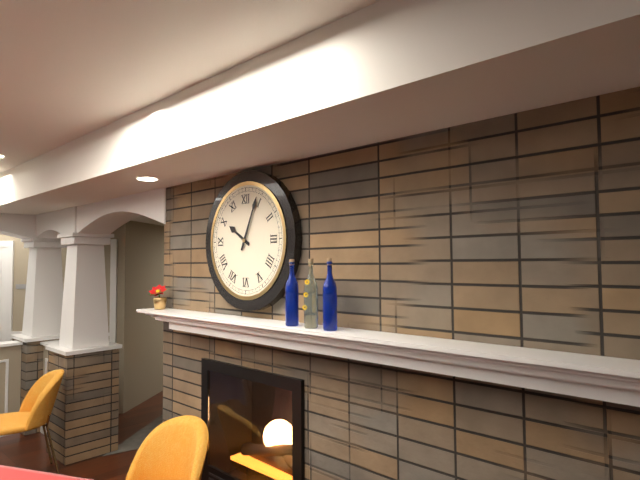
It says 10:04
